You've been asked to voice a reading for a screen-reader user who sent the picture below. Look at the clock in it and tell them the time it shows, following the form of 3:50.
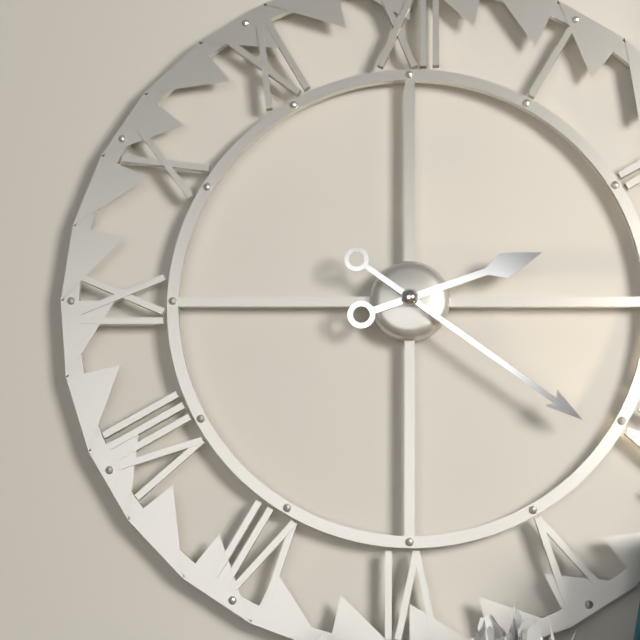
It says 2:21
